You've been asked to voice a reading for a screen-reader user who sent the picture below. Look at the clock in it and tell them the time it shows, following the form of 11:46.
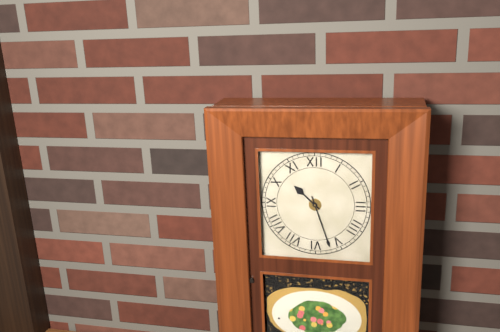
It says 10:27
